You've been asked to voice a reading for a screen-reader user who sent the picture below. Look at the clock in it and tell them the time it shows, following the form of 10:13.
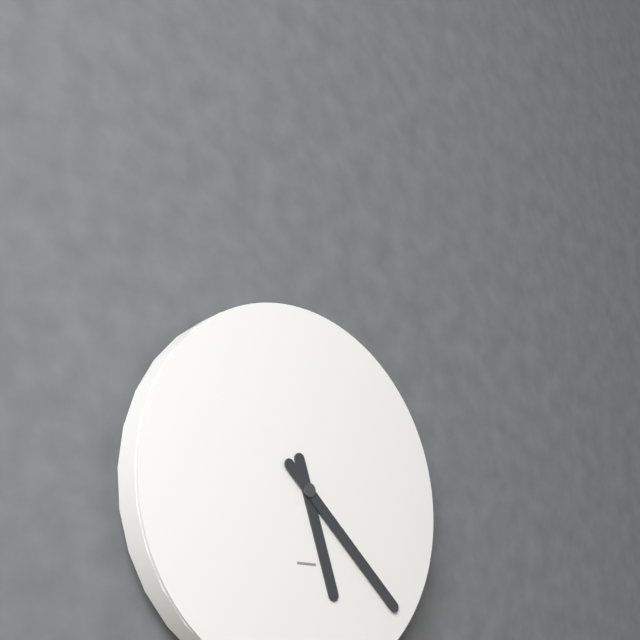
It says 5:22
